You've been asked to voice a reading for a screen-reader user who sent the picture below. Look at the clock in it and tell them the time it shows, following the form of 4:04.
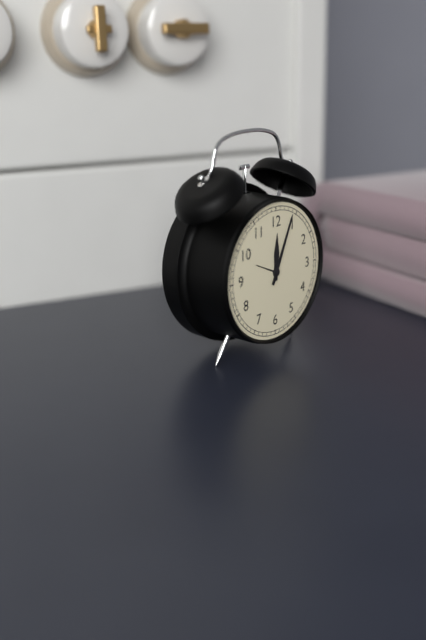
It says 12:04
